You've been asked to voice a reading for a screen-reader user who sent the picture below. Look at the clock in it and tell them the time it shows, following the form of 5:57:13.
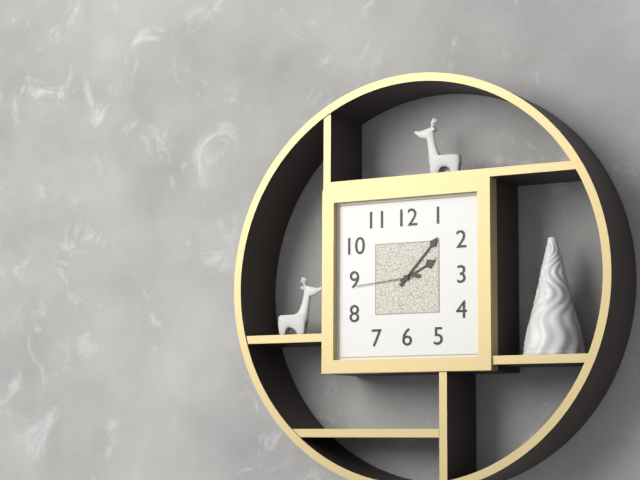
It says 2:07:44
